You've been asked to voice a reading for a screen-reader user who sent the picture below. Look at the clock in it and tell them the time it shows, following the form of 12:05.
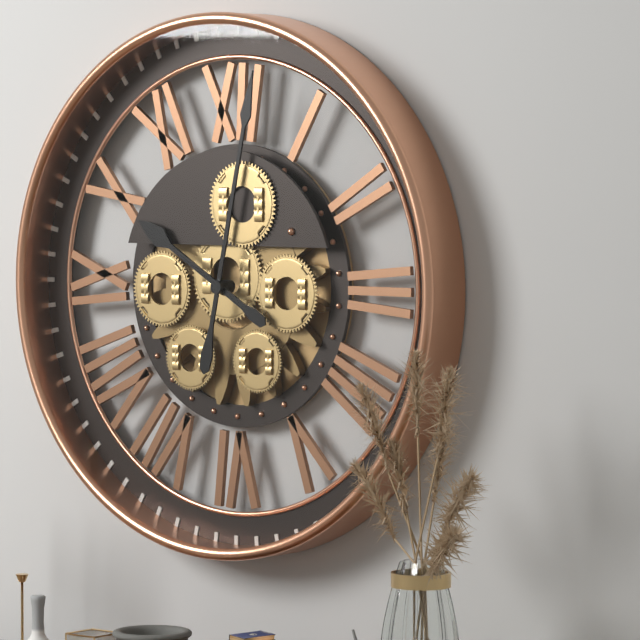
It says 10:02
